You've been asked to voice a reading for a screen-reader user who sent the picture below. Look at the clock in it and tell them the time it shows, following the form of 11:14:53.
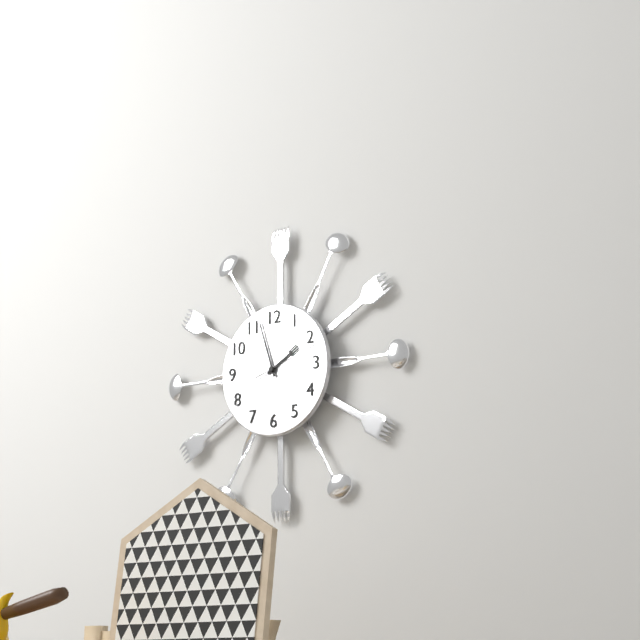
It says 1:57:12
